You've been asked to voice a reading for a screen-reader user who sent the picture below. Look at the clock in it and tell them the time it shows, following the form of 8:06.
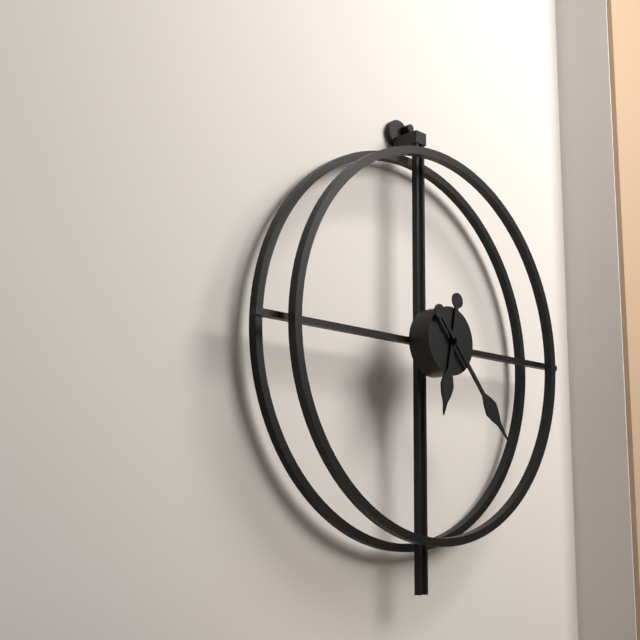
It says 6:23
